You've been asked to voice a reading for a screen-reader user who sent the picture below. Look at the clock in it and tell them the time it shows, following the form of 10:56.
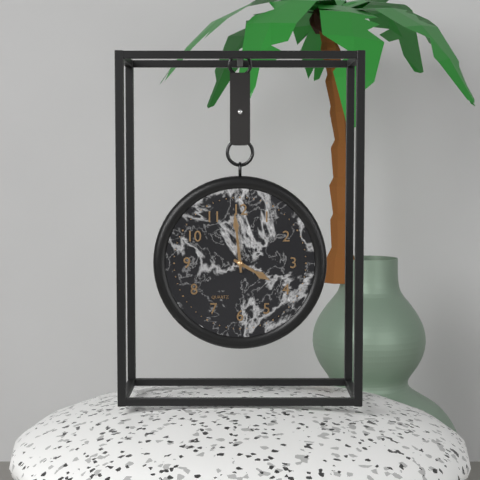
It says 3:59
